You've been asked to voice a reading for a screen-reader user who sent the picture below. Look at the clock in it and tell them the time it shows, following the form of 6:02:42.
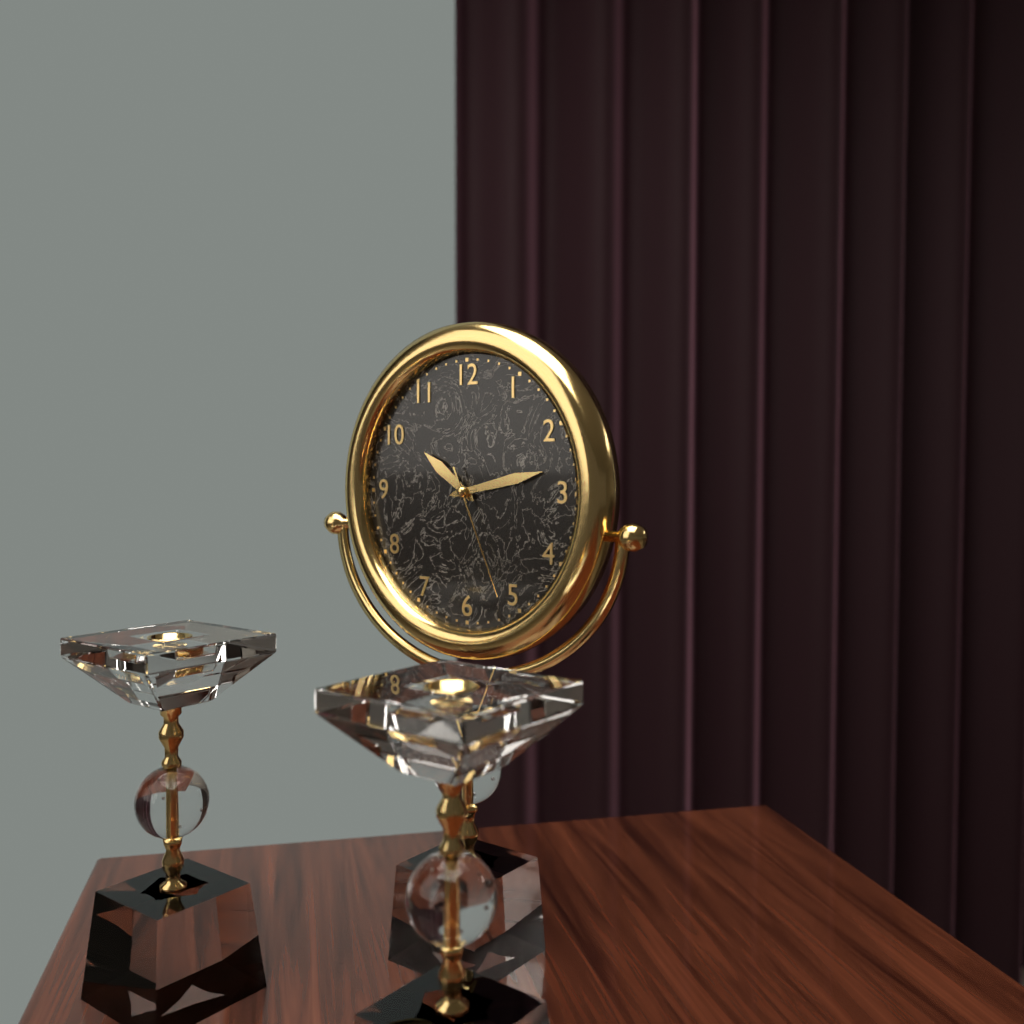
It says 10:13:26
